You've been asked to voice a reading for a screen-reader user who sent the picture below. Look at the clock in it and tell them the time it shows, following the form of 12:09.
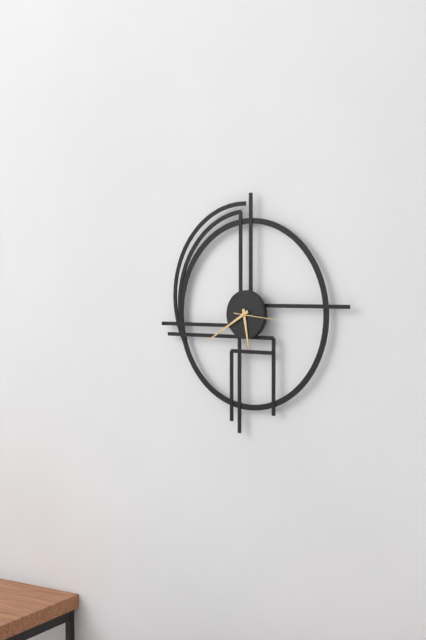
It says 5:40
